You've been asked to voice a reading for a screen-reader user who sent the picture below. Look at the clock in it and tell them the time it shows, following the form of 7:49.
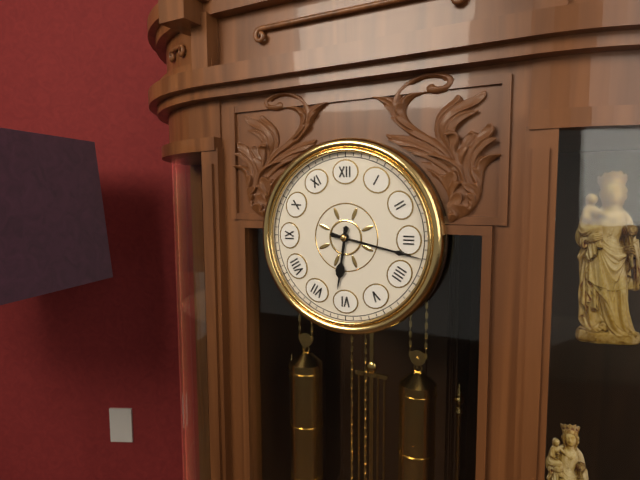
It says 6:17
